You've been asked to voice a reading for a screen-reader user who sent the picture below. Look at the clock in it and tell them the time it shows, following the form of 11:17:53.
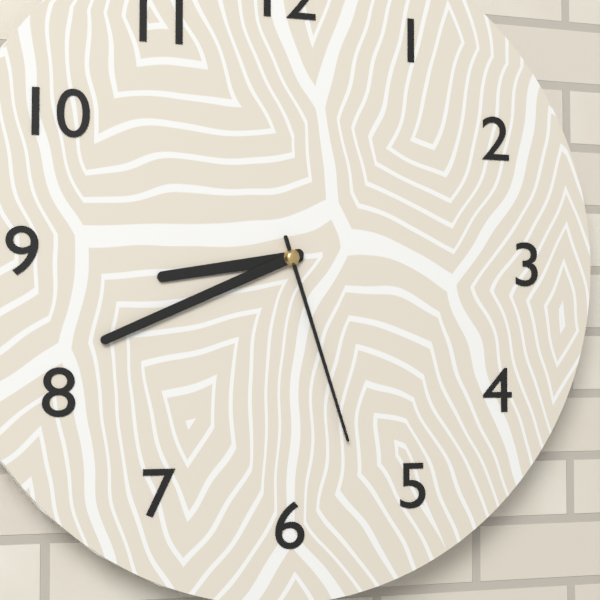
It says 8:41:27
